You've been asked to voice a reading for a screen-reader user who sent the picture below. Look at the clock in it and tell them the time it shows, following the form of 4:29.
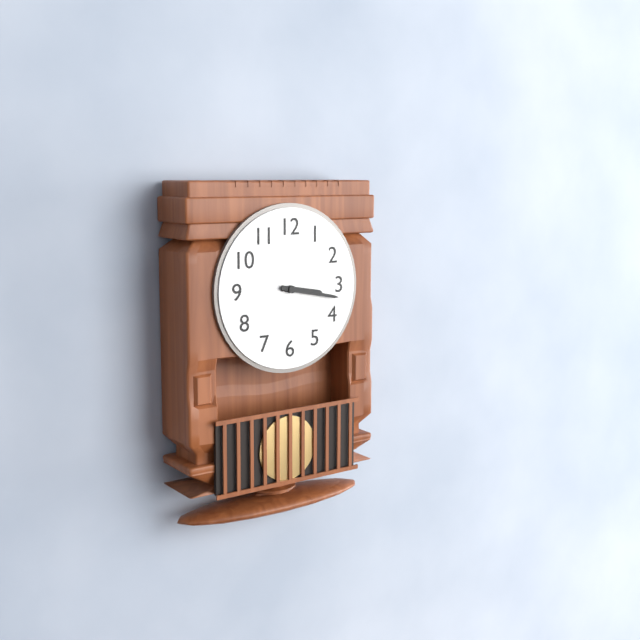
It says 3:17
